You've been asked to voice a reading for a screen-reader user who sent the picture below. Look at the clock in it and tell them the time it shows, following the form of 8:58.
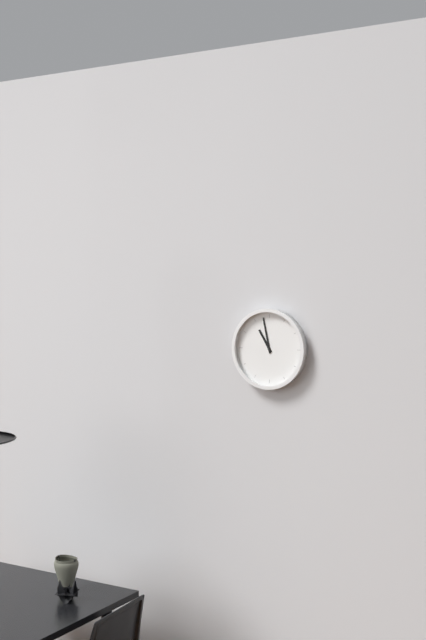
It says 10:58
